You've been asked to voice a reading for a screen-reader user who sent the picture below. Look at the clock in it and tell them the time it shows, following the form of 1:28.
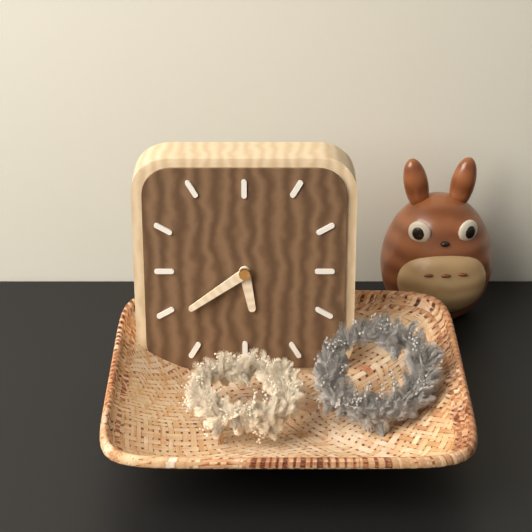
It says 5:39
